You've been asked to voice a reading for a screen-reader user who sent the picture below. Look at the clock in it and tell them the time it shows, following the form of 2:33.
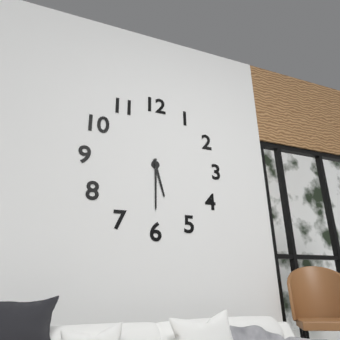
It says 5:30
